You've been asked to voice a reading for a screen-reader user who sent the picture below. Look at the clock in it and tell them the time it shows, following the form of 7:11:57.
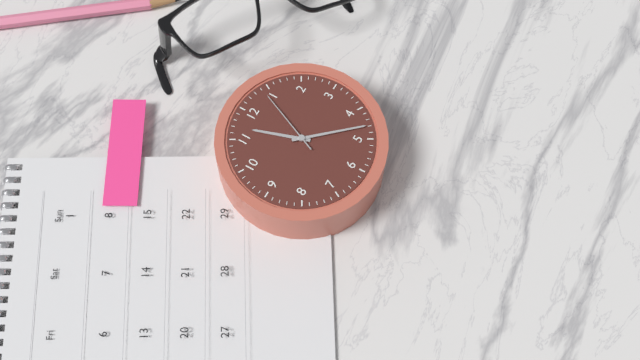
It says 11:23:04
